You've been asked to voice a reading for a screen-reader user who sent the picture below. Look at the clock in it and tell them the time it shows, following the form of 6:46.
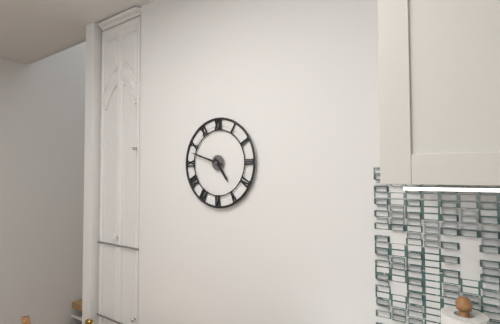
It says 4:48
